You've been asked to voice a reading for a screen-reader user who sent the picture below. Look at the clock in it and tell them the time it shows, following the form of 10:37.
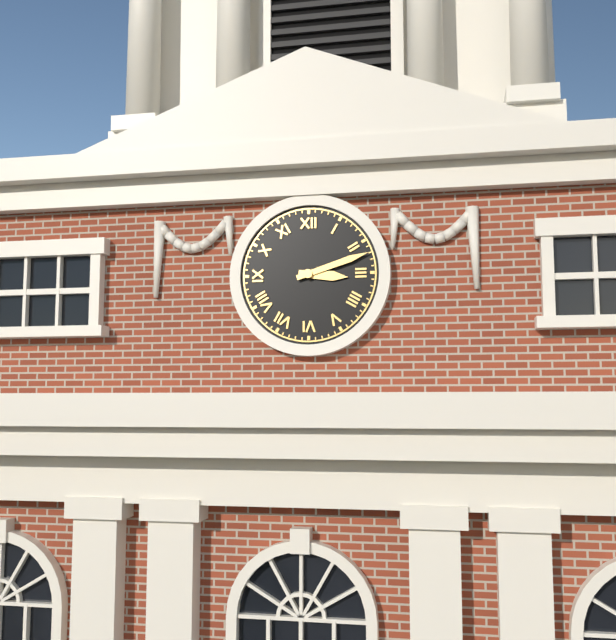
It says 3:12
